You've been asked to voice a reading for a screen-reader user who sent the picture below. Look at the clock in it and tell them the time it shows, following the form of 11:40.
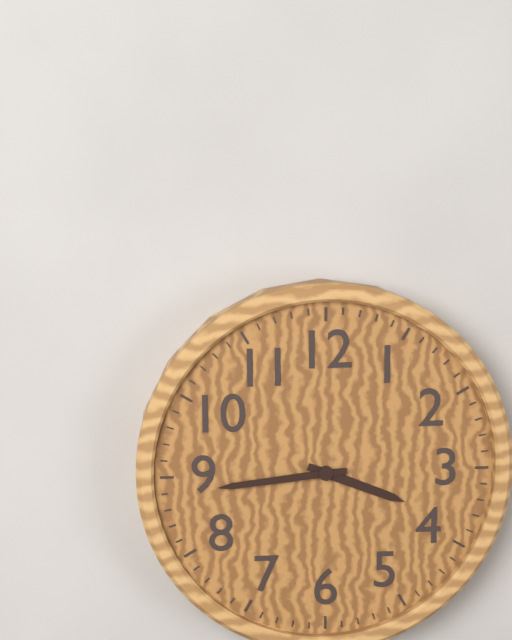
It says 3:44
